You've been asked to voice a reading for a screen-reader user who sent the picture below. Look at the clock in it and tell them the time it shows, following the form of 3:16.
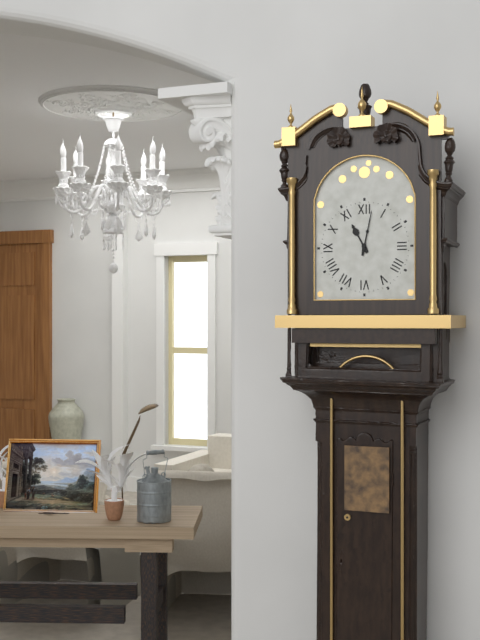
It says 11:02
